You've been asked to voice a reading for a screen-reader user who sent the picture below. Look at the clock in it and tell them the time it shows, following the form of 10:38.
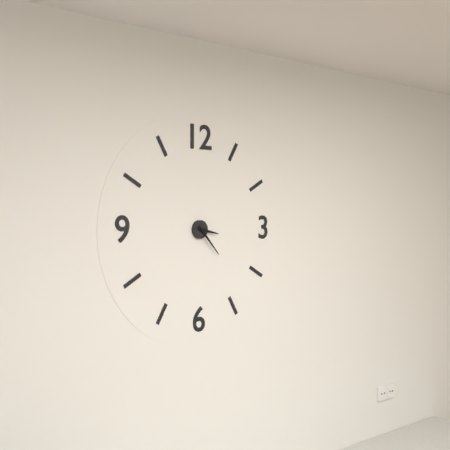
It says 3:23
